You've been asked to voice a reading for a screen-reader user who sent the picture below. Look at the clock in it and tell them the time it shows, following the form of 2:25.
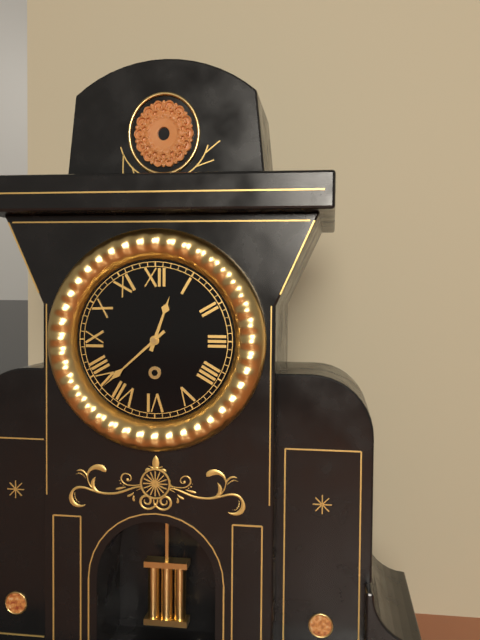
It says 12:38
